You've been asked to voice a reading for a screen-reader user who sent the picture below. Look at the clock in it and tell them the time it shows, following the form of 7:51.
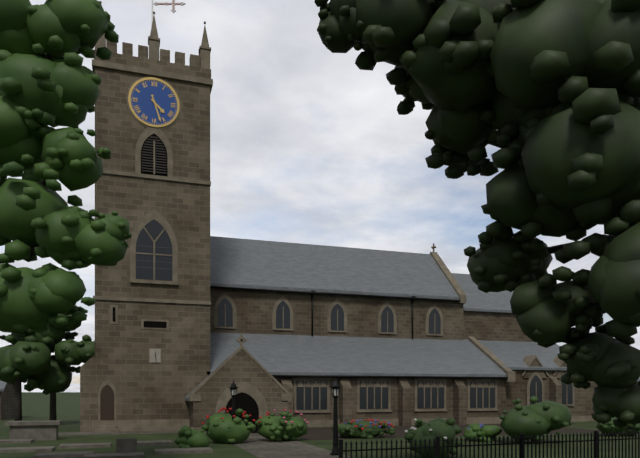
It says 4:27
